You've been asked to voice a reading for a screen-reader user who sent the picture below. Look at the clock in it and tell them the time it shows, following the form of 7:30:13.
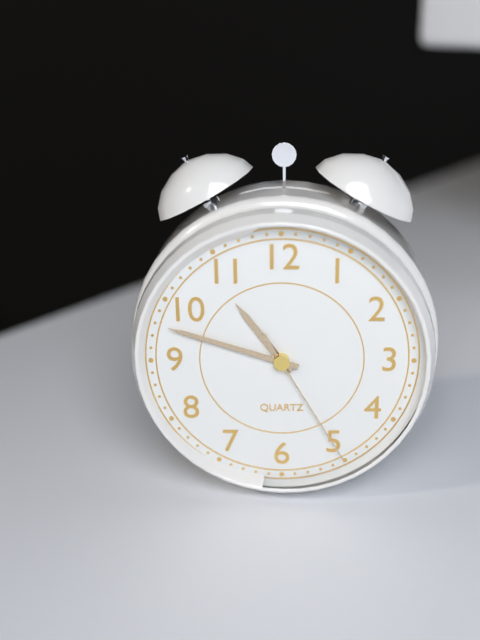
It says 10:48:25
